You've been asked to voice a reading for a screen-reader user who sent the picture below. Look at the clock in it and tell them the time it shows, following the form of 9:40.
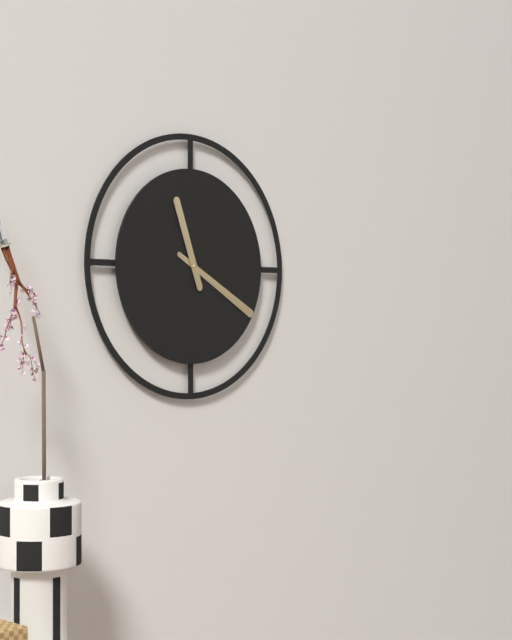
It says 11:20
